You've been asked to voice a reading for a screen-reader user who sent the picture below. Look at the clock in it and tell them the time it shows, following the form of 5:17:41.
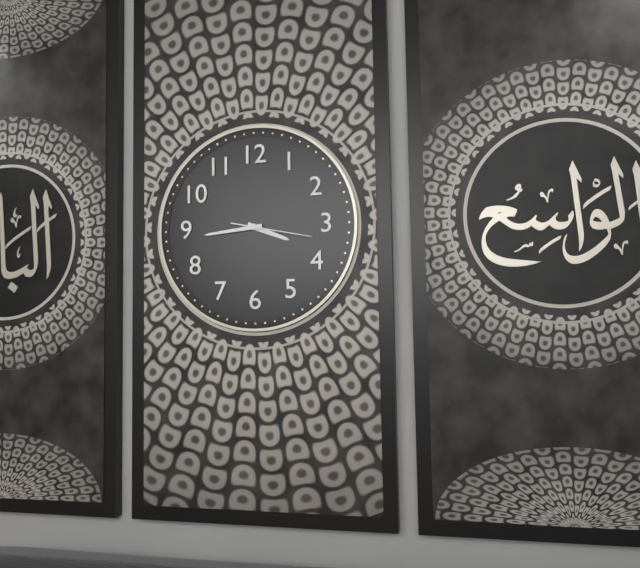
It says 3:44:17
